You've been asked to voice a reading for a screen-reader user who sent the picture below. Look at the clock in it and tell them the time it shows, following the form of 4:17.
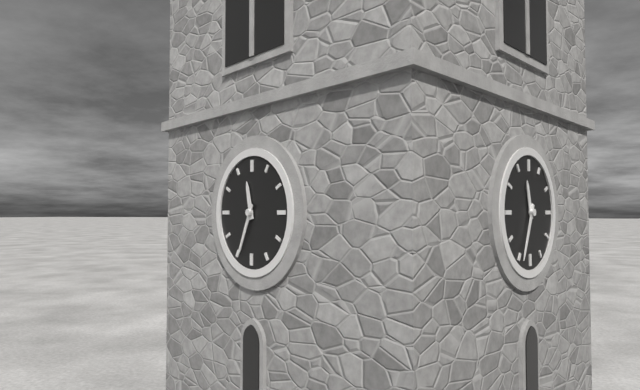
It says 11:34
